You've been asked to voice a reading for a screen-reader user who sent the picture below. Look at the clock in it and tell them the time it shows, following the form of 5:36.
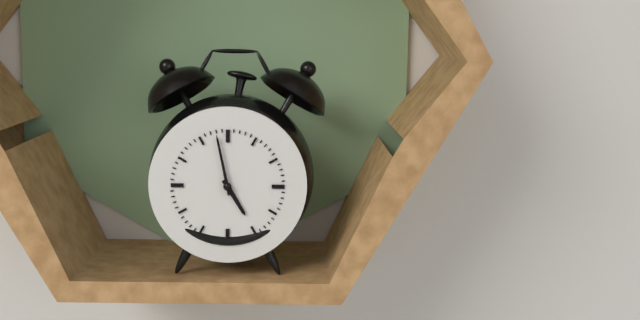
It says 4:58
